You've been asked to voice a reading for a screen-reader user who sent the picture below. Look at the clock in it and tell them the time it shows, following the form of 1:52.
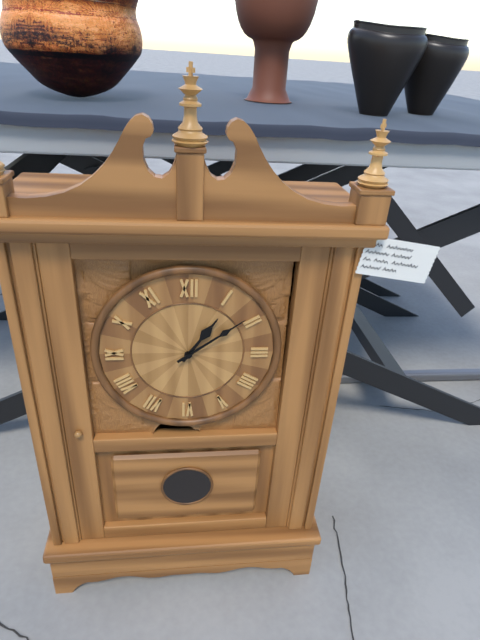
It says 1:09
